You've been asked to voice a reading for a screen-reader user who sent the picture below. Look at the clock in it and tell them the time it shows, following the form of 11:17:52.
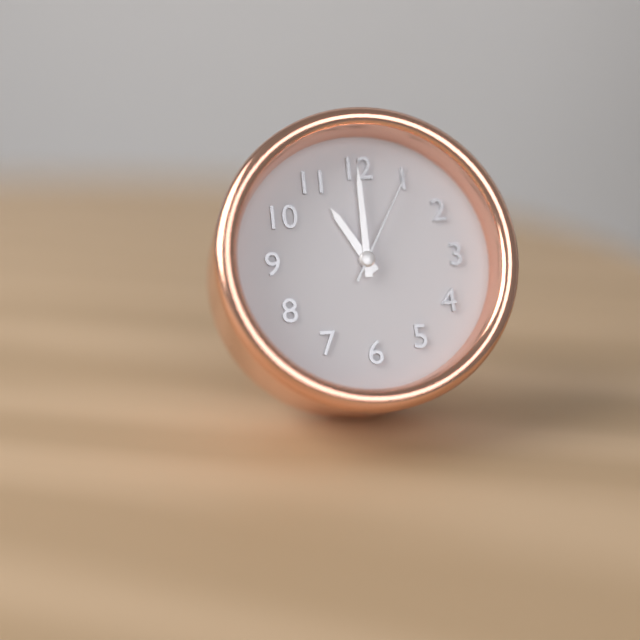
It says 11:00:05
